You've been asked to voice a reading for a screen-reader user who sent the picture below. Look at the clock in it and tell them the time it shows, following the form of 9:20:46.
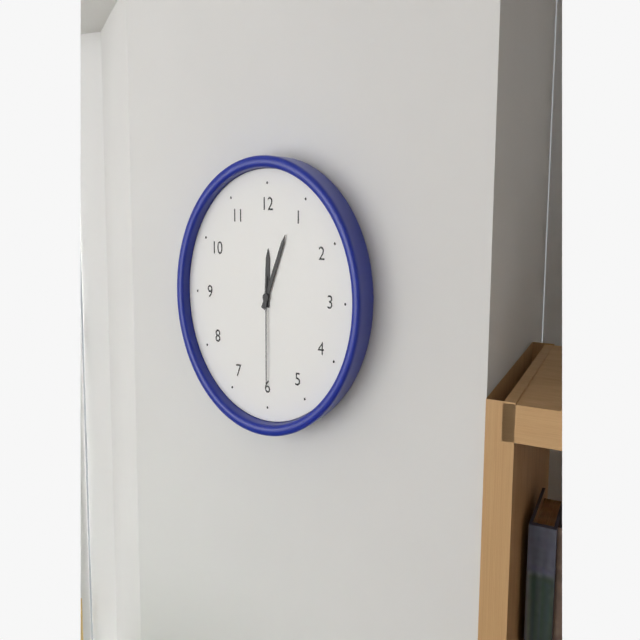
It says 12:04:30
